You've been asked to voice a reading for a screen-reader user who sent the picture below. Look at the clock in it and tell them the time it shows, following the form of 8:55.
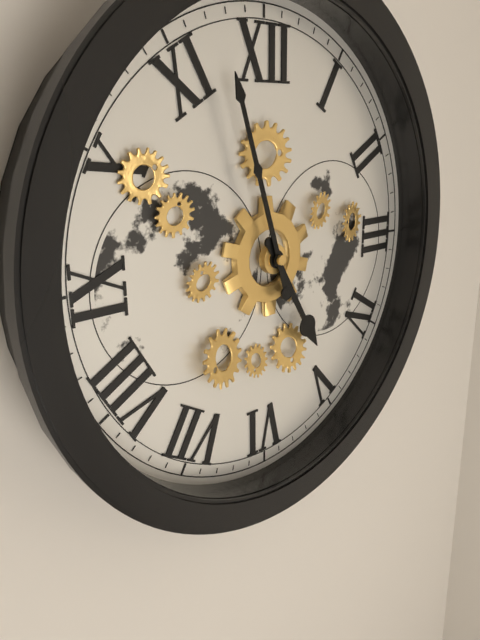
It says 4:57
